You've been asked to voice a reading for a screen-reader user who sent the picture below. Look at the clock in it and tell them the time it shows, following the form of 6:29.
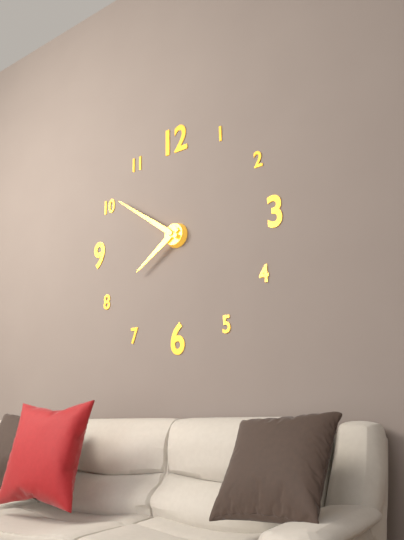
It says 7:51
